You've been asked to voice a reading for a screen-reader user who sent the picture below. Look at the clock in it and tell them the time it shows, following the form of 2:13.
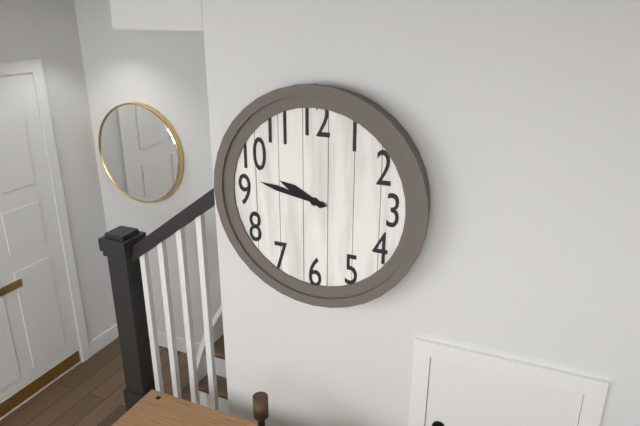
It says 9:47
